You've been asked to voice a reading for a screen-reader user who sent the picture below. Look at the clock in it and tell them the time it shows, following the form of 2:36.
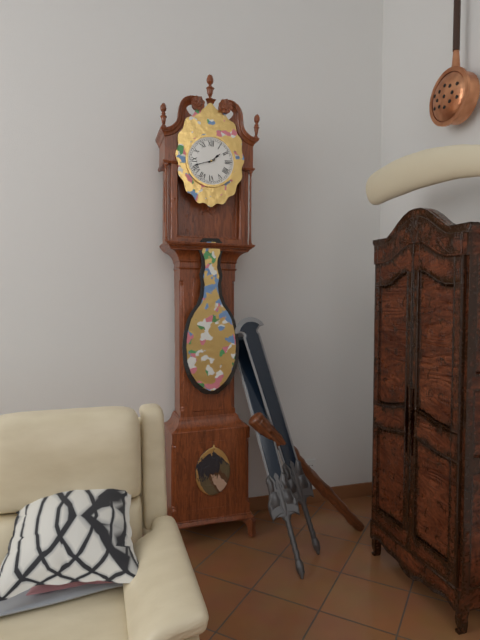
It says 1:42
